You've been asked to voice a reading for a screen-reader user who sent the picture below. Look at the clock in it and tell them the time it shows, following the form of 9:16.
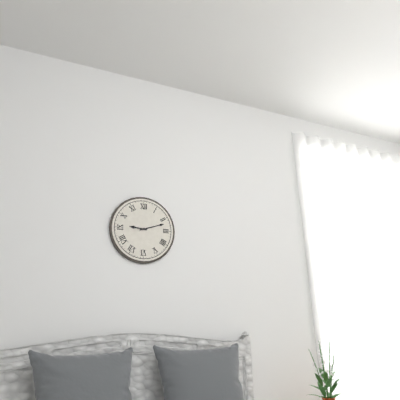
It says 9:12
